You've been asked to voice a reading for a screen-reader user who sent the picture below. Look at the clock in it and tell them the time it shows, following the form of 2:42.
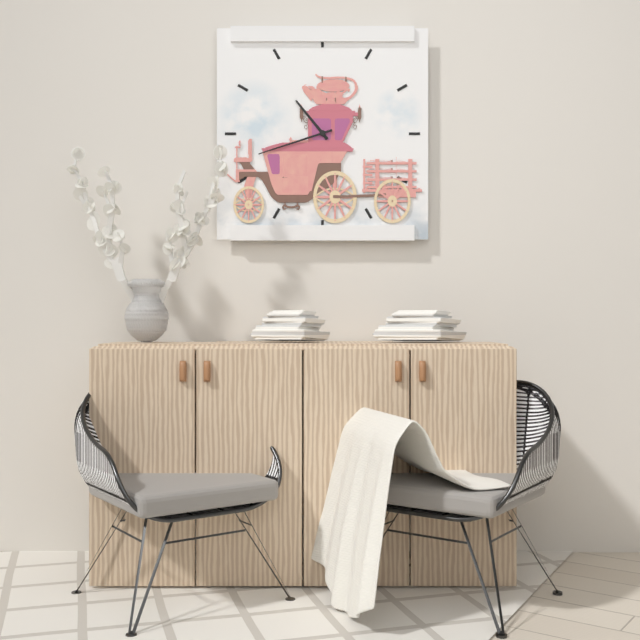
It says 10:42
